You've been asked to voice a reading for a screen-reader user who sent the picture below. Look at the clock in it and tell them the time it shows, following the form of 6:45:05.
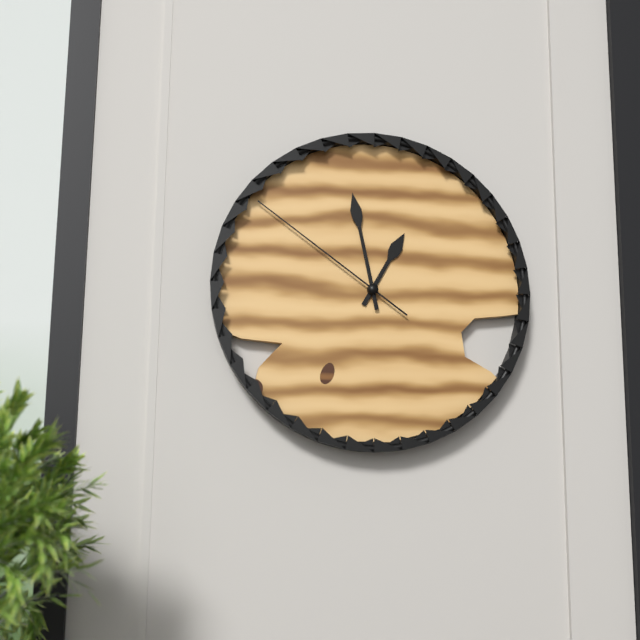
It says 12:58:51
